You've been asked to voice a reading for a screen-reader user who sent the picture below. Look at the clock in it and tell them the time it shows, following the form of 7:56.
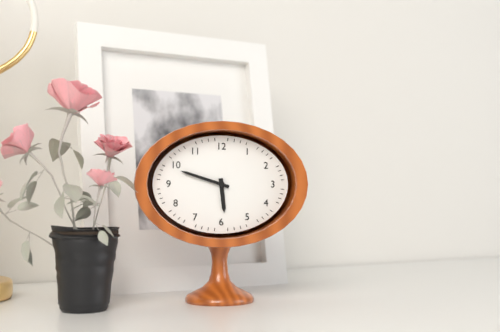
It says 5:48
